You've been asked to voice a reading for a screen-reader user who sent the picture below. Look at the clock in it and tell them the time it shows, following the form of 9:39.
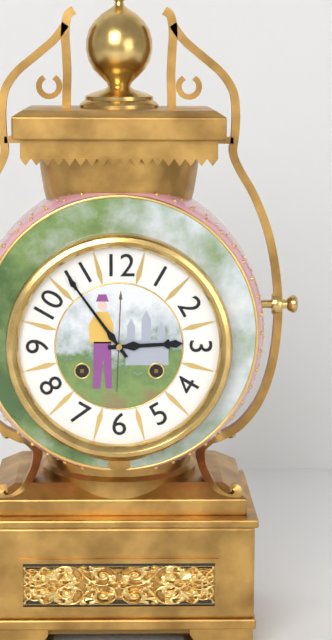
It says 2:54
